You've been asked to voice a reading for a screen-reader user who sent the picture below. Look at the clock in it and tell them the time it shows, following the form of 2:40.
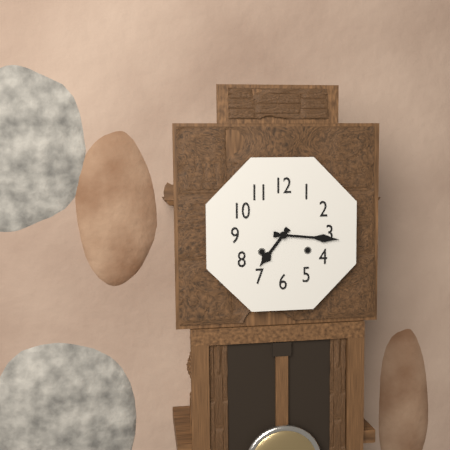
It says 7:16
